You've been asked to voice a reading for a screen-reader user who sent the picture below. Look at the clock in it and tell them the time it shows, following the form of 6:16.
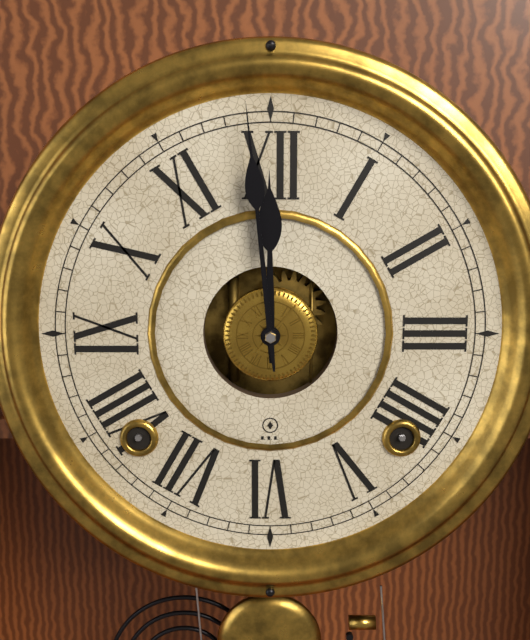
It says 11:59
